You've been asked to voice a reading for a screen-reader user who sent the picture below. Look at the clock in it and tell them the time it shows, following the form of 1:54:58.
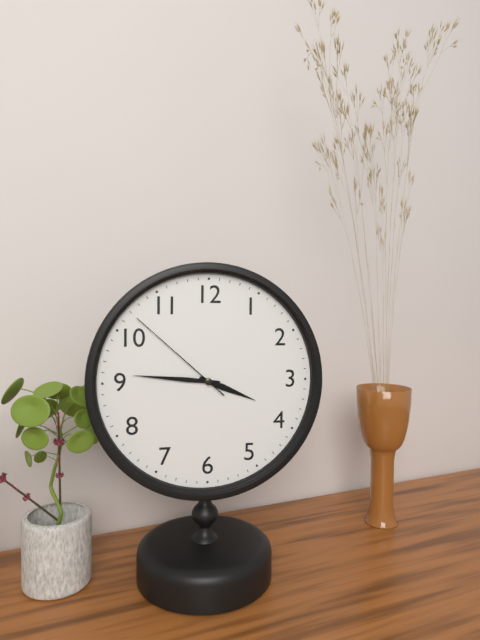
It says 3:46:52
